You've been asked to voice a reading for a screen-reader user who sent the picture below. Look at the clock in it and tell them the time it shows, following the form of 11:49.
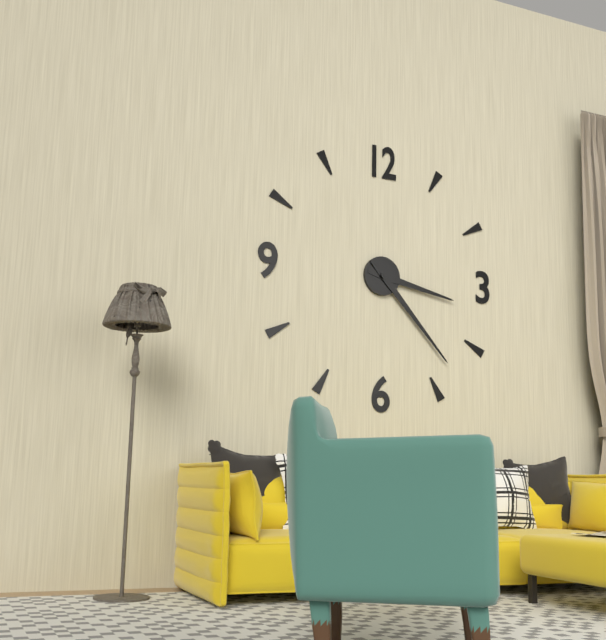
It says 3:23
